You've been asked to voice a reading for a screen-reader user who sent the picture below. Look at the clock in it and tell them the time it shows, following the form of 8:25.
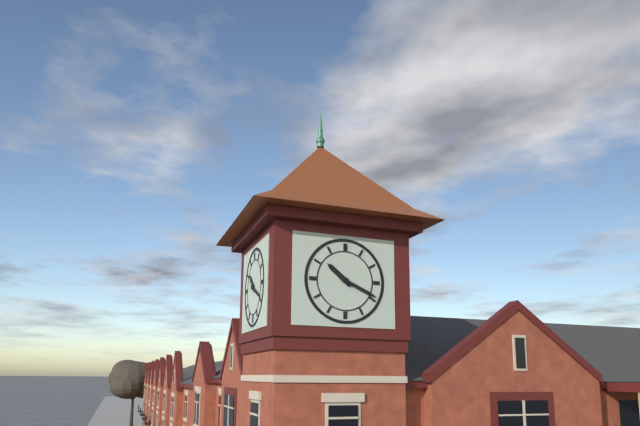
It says 10:19
